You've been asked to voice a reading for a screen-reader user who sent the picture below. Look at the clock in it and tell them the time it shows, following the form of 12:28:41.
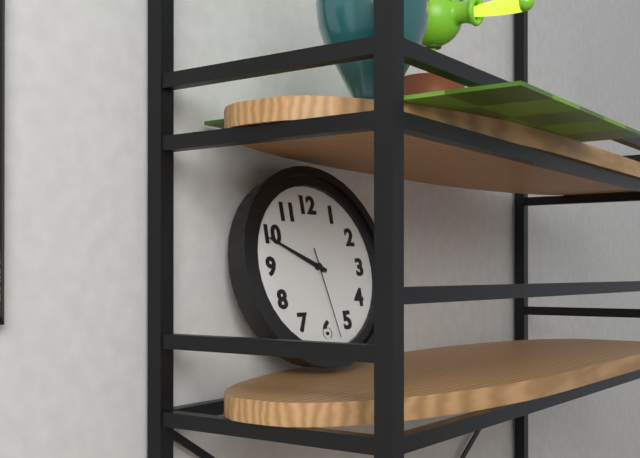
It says 9:49:28
